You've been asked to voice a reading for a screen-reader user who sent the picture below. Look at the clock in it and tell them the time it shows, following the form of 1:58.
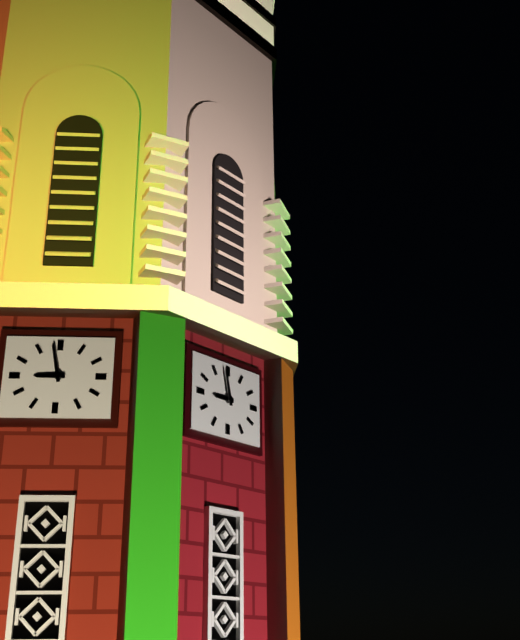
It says 8:58
